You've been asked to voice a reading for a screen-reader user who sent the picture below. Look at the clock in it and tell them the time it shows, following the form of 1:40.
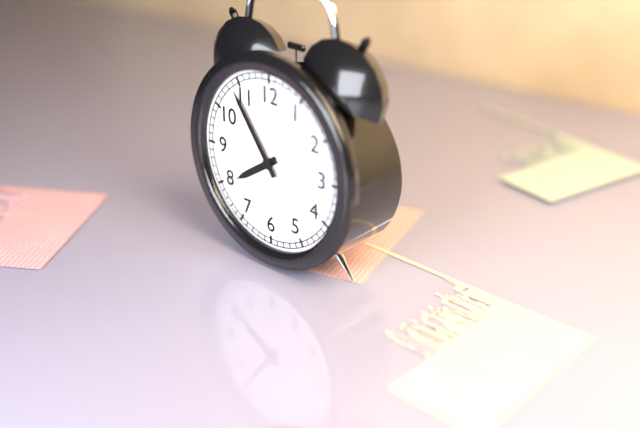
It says 7:54
